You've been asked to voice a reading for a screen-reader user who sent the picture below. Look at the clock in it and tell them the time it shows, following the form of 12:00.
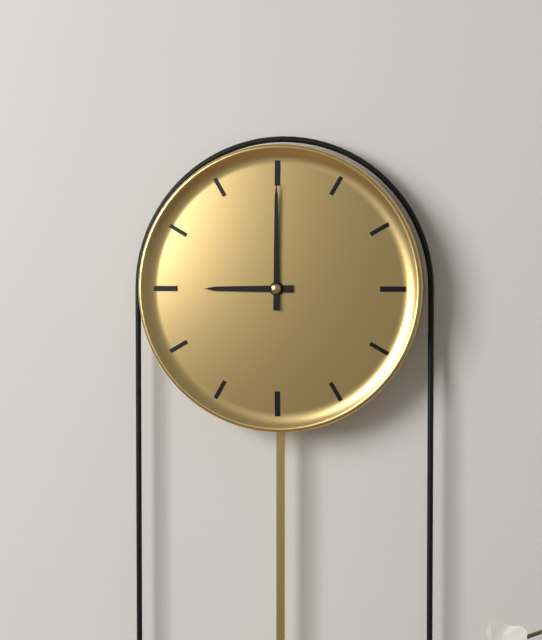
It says 9:00
